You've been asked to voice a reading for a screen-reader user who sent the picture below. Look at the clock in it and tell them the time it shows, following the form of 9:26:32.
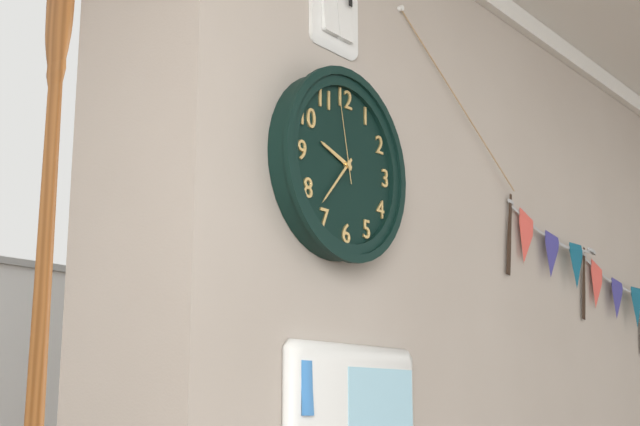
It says 9:37:58
